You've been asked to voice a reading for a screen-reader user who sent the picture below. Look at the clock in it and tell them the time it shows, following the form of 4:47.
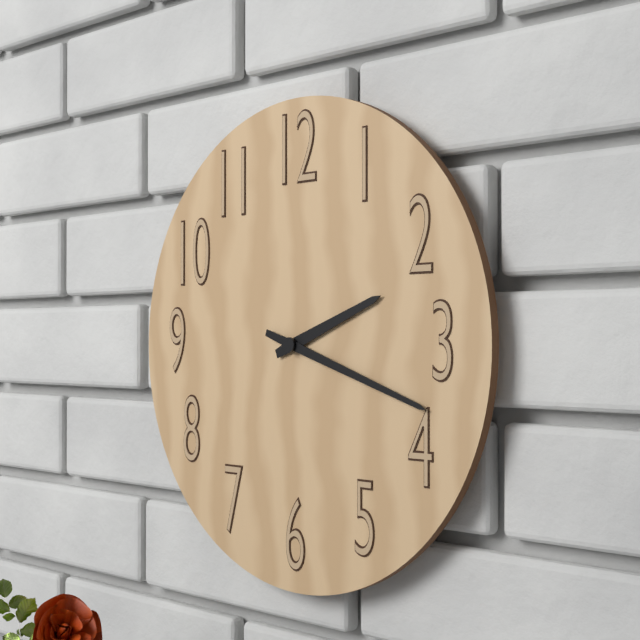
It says 2:18
